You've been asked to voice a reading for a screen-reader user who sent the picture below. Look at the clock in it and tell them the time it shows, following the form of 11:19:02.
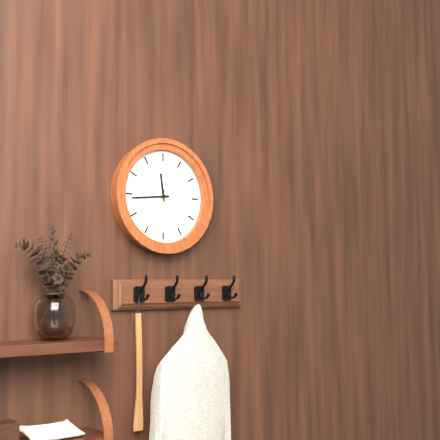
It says 11:44:01
